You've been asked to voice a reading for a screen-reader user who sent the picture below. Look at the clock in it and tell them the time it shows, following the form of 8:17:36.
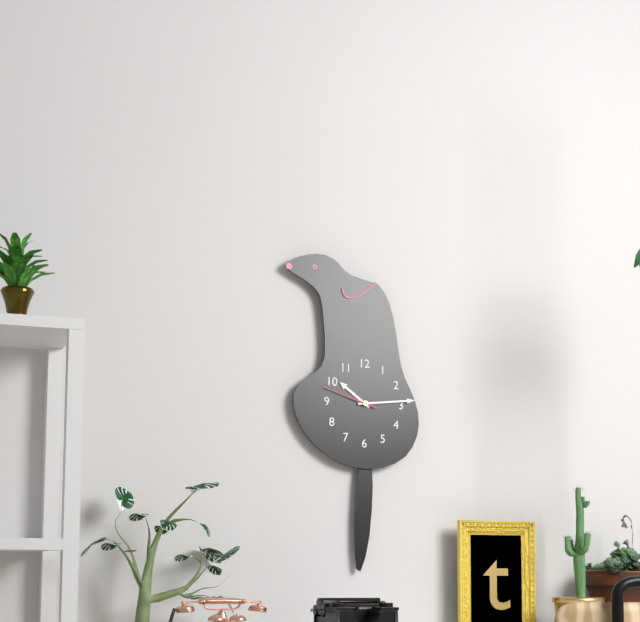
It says 10:14:48
